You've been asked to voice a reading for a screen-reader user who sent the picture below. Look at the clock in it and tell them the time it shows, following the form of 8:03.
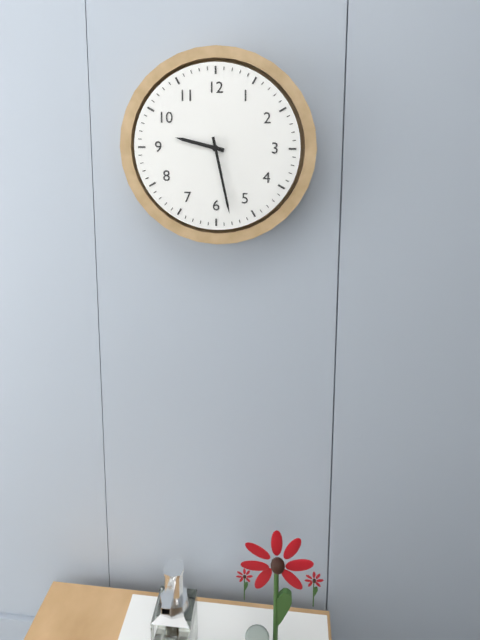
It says 9:28
